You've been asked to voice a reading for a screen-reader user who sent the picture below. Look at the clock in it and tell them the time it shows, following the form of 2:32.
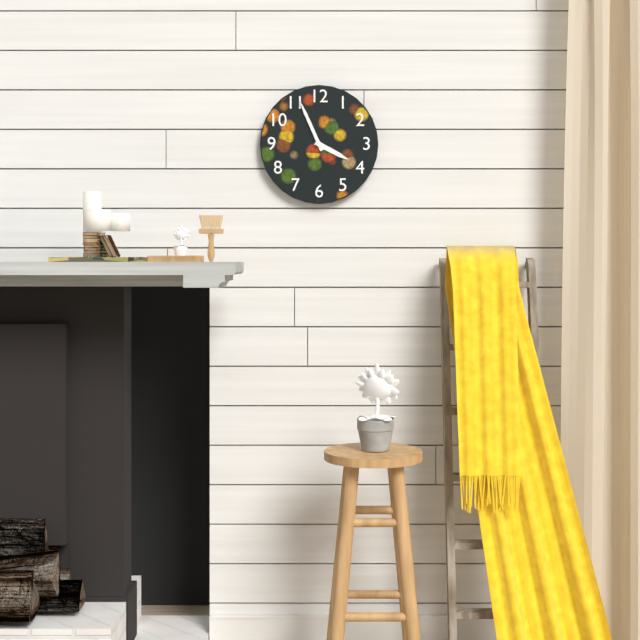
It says 3:56
